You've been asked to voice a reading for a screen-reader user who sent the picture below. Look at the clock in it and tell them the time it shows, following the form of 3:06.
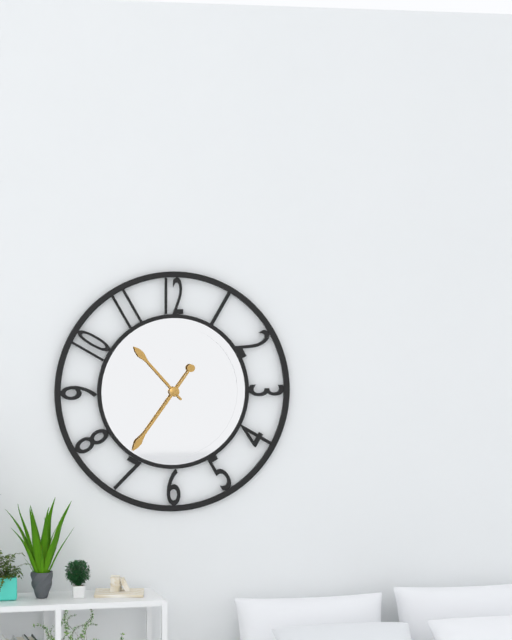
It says 10:36
